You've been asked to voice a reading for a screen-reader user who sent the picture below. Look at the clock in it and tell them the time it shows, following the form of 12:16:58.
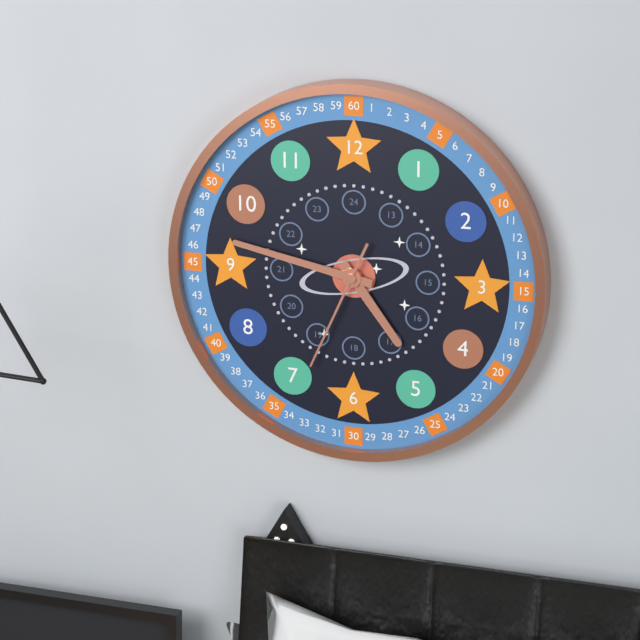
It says 4:47:34
